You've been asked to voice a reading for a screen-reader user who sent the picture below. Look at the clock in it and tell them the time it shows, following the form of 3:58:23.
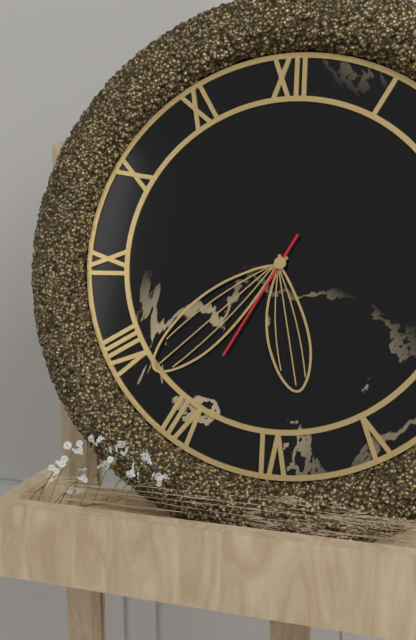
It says 5:38:35
